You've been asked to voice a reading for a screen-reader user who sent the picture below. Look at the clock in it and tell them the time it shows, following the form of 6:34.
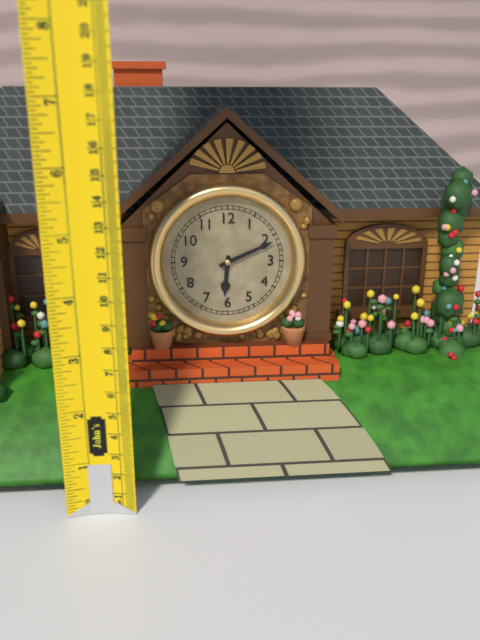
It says 6:11
